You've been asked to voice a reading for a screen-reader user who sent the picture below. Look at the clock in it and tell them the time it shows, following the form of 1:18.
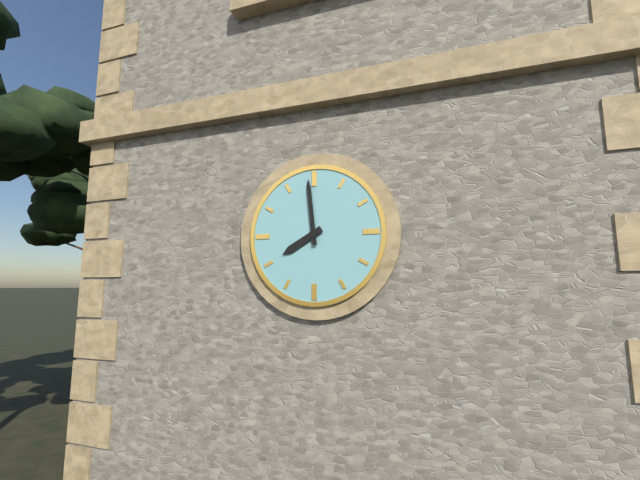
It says 7:59
